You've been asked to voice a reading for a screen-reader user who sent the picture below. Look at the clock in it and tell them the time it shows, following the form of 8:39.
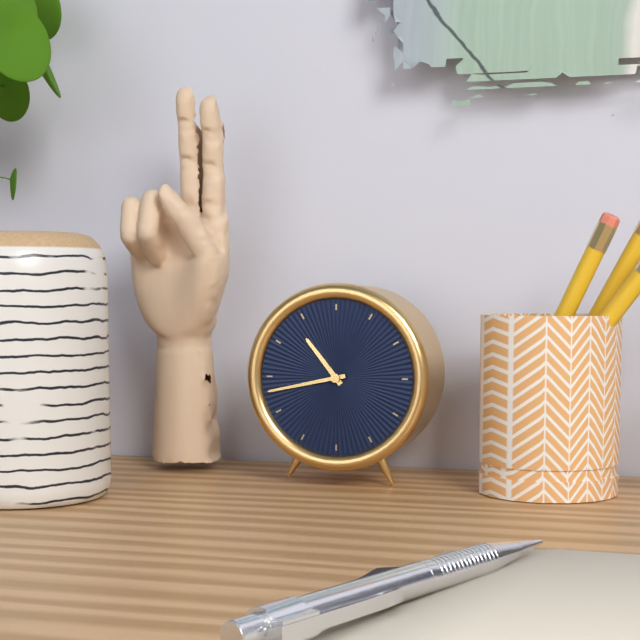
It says 10:43
